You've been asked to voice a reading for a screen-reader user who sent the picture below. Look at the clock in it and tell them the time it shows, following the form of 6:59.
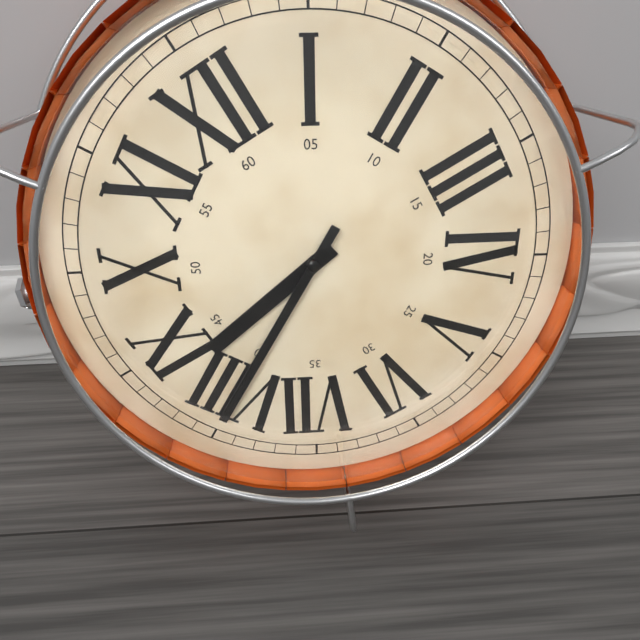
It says 8:40
